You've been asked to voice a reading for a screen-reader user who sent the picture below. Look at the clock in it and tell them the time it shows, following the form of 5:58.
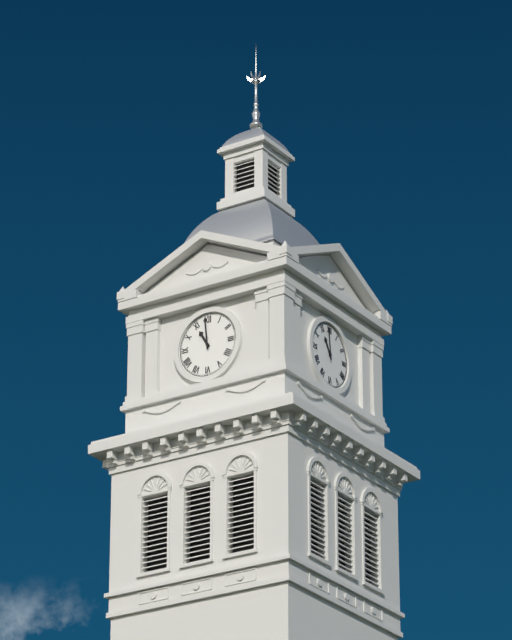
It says 10:59
